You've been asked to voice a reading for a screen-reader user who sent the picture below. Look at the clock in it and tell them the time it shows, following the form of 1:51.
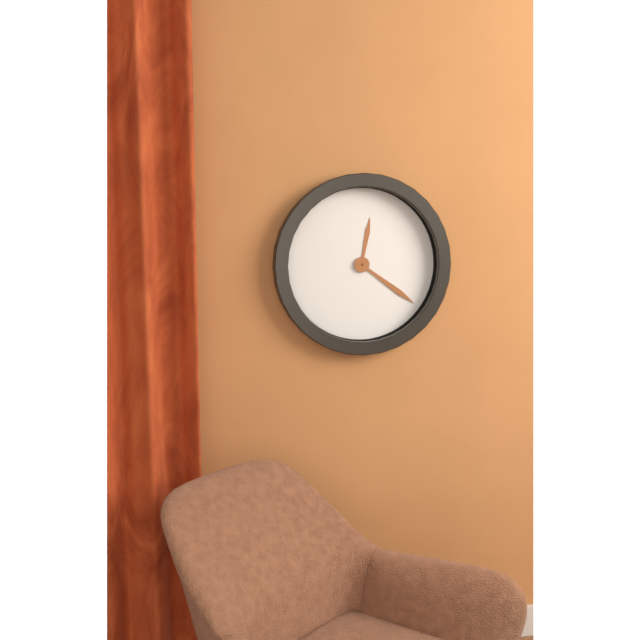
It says 12:21
